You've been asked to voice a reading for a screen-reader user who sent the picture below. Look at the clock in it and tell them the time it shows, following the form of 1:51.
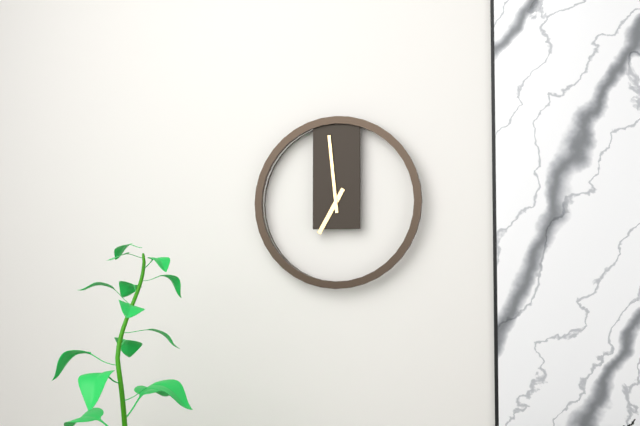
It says 6:59
